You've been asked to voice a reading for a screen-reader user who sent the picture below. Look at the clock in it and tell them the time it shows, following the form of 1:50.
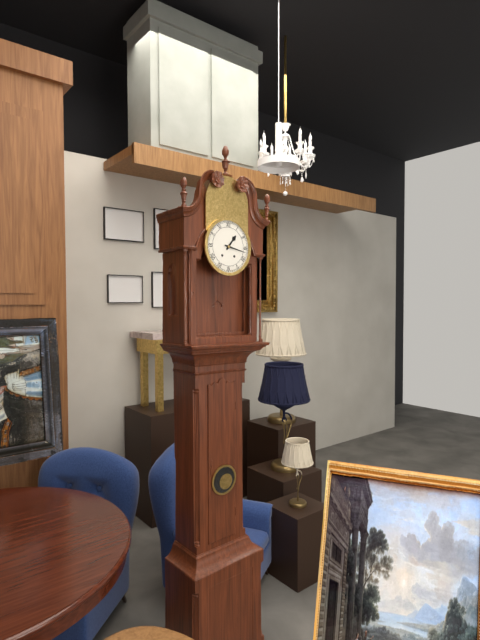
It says 1:17
